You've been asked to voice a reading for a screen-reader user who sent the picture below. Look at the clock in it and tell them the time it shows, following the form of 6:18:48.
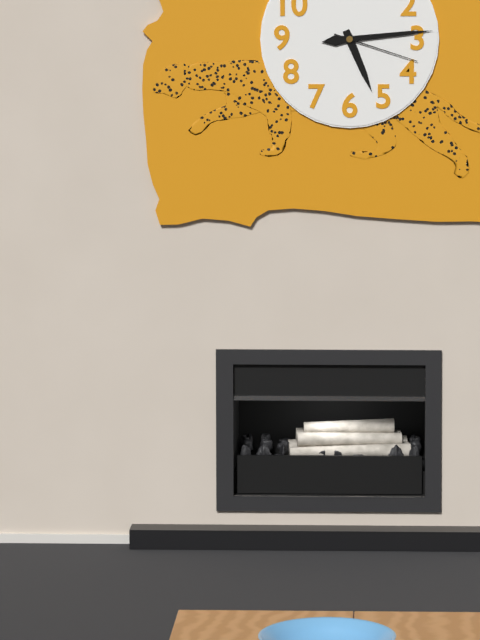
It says 5:14:18
